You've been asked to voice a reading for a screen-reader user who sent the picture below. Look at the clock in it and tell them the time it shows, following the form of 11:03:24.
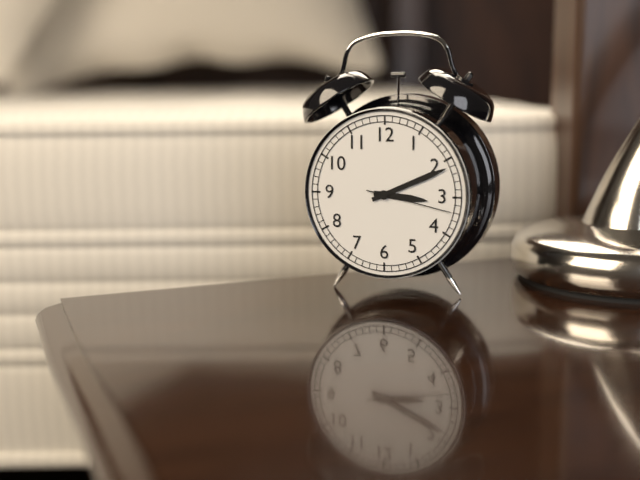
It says 3:11:17
